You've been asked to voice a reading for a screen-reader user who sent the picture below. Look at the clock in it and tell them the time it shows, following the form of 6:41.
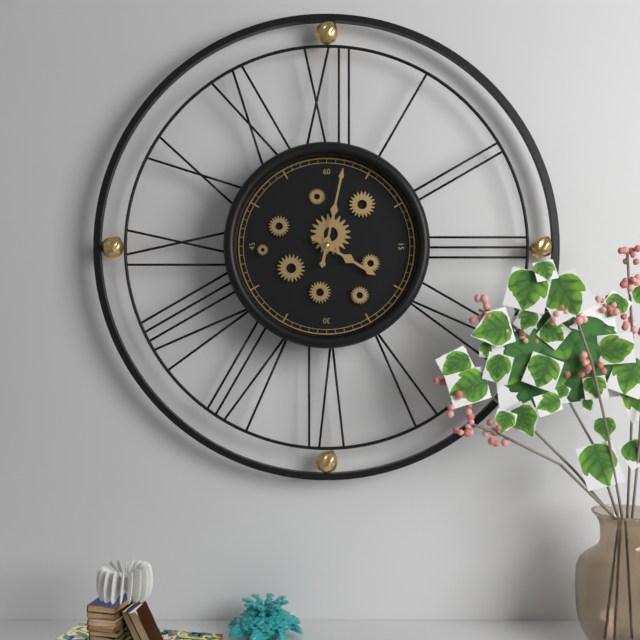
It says 4:02
